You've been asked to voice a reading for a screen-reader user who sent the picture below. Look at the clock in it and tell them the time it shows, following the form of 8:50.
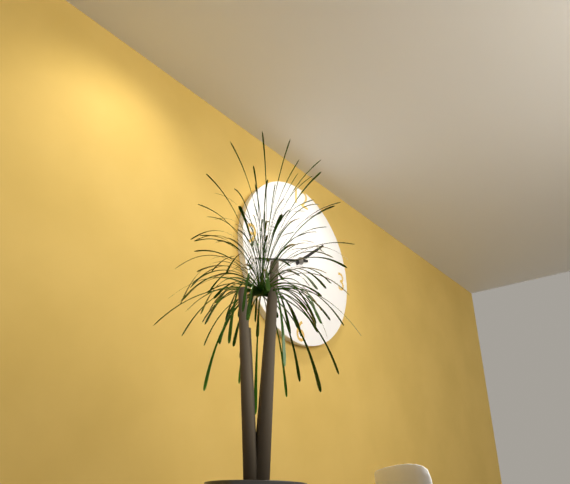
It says 1:42
